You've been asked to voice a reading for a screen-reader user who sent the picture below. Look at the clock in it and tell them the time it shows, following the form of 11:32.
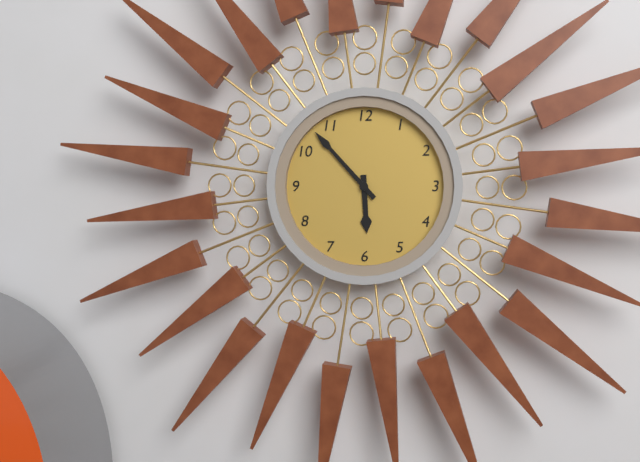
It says 5:53
